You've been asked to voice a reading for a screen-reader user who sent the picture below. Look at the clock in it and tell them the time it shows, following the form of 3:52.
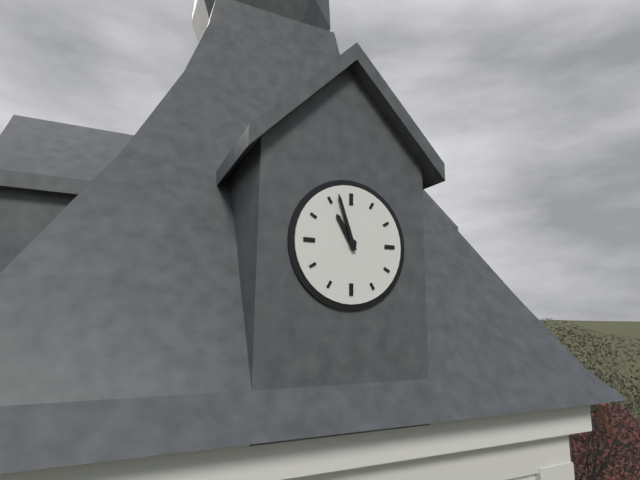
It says 10:57
